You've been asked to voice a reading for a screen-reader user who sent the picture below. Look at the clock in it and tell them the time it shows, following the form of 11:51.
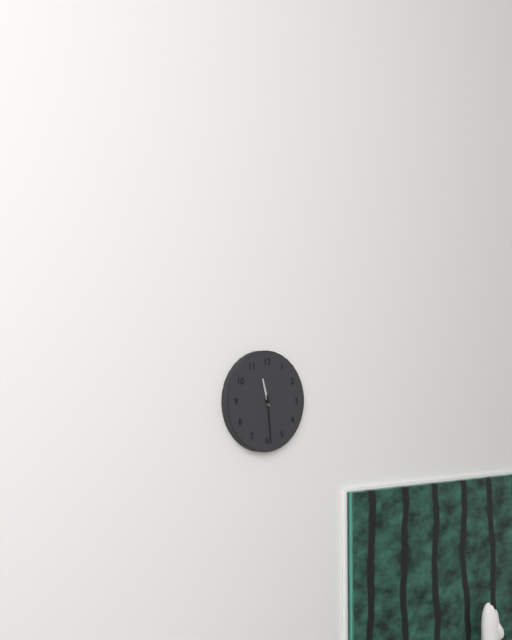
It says 11:29
